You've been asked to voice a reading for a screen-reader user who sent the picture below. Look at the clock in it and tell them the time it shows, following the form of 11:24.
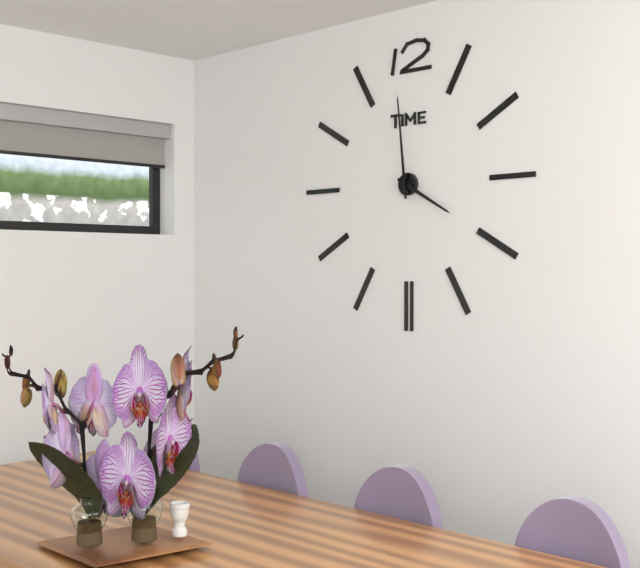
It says 3:59
